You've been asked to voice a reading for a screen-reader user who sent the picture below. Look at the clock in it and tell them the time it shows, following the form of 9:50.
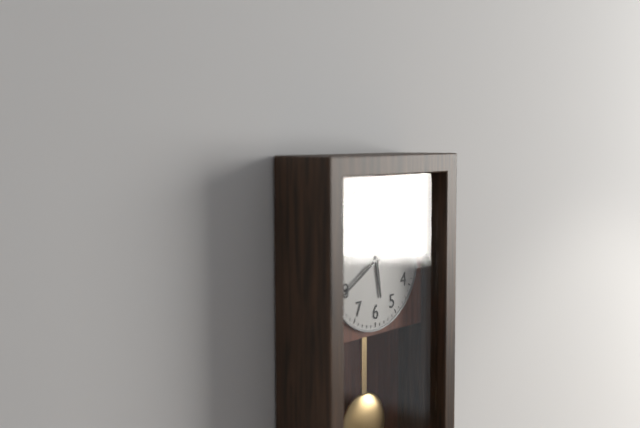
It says 5:40
